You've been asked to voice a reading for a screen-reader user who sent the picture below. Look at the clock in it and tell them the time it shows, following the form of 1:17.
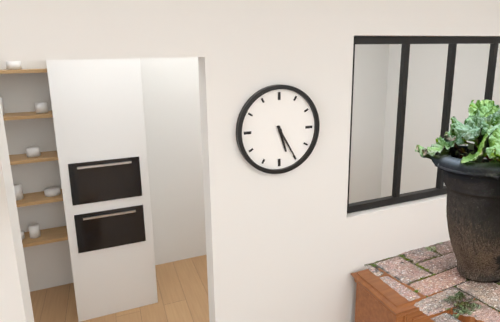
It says 5:25
